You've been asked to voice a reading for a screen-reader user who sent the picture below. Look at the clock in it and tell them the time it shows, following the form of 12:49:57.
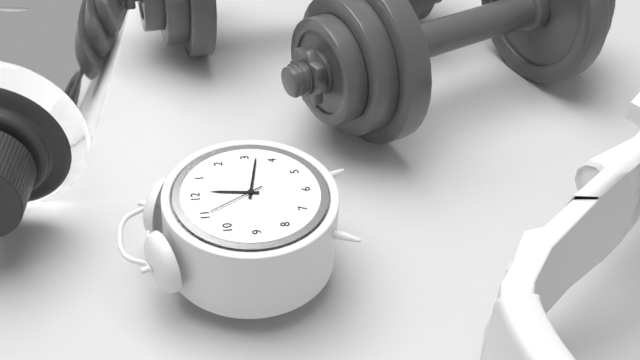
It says 12:17:55
